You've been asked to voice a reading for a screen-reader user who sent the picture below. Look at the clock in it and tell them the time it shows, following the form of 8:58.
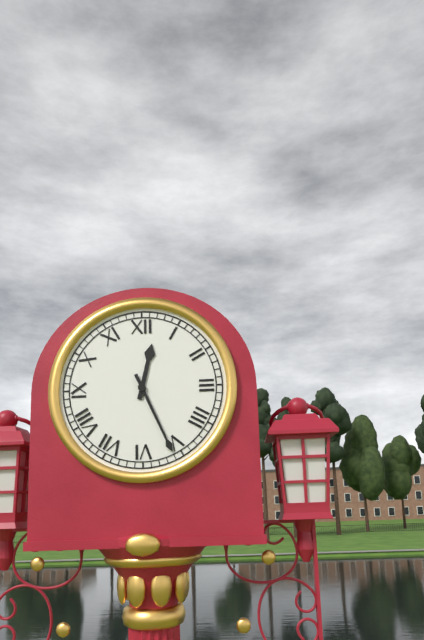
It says 12:26
